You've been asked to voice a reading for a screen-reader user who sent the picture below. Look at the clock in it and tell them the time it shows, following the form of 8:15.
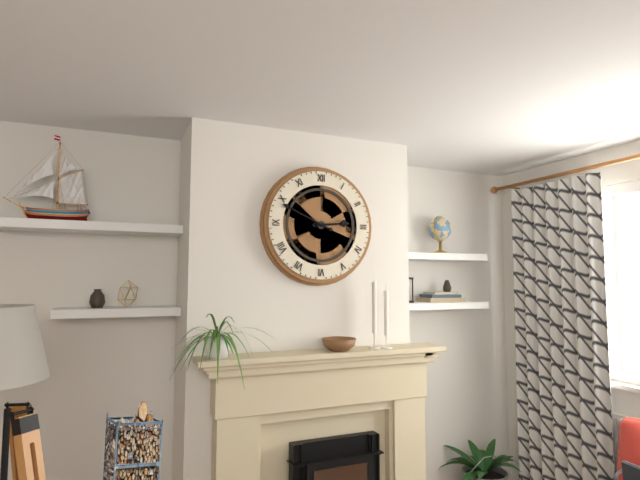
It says 2:49
